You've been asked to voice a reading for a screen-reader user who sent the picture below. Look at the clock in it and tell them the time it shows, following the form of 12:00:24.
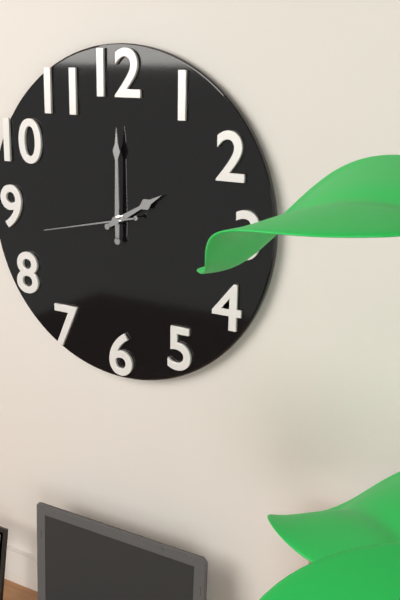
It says 2:00:43
